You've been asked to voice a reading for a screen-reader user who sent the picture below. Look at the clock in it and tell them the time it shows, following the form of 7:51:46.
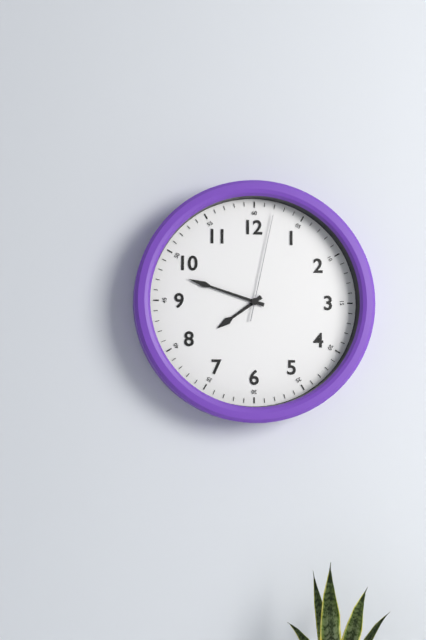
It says 7:48:02
